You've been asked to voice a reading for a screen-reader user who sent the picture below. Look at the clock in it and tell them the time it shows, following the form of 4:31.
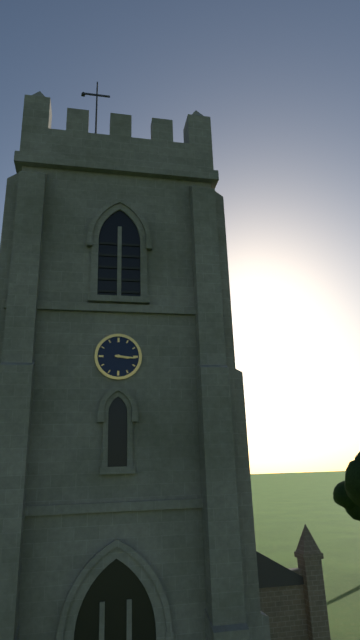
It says 3:16
